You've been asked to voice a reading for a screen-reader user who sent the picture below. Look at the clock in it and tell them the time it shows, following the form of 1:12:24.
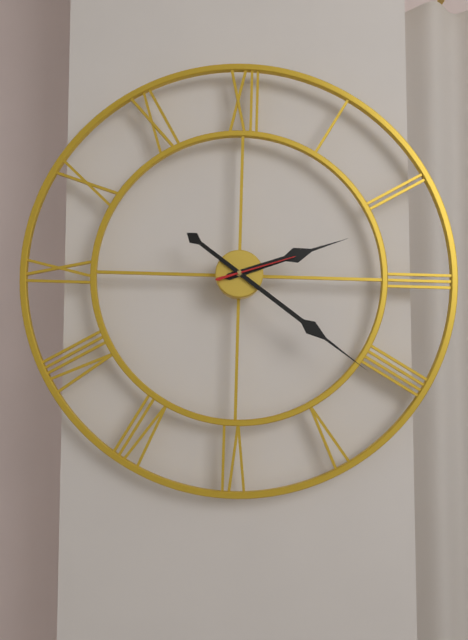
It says 2:21:12
